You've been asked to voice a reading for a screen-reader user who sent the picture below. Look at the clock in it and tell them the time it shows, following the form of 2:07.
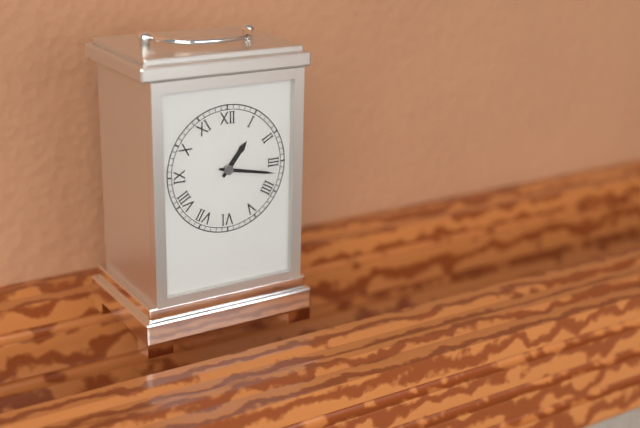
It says 1:17
